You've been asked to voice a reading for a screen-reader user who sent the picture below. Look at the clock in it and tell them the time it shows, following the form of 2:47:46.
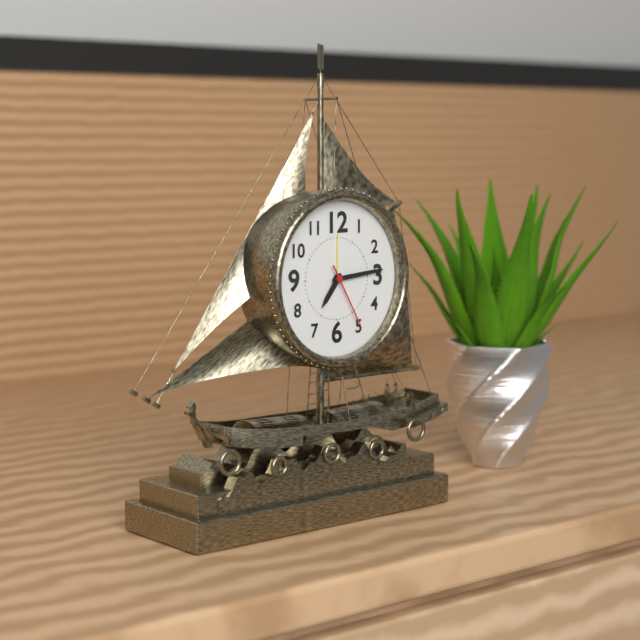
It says 7:14:25
